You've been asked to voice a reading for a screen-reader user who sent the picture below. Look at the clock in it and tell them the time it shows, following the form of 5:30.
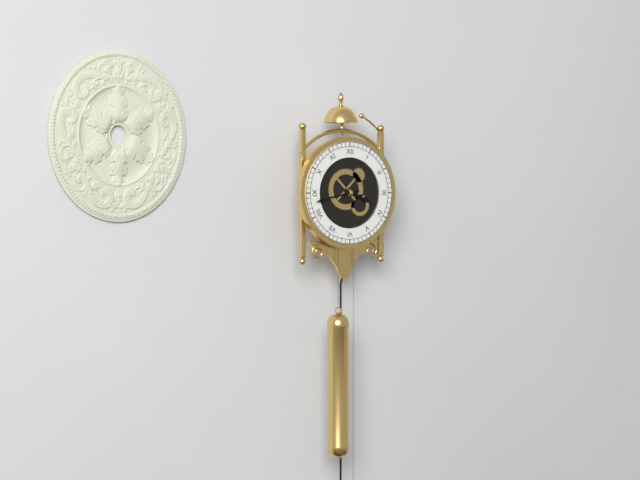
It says 3:43
